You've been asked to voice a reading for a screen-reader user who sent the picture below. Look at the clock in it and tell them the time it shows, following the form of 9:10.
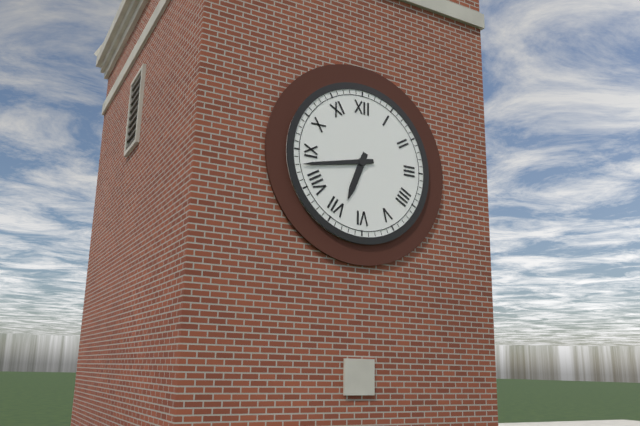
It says 6:43
